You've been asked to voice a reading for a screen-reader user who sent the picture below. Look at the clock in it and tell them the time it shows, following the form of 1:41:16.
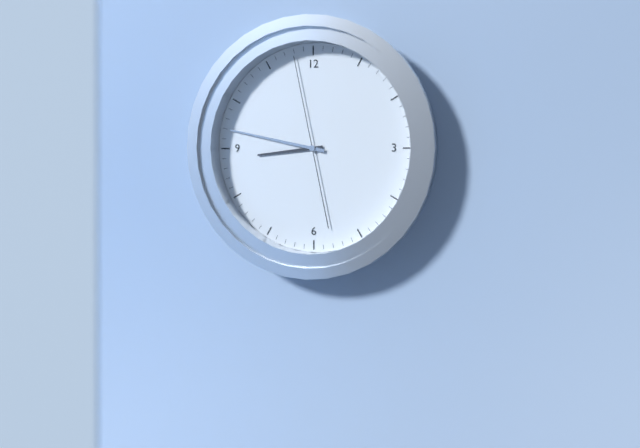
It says 8:47:58
